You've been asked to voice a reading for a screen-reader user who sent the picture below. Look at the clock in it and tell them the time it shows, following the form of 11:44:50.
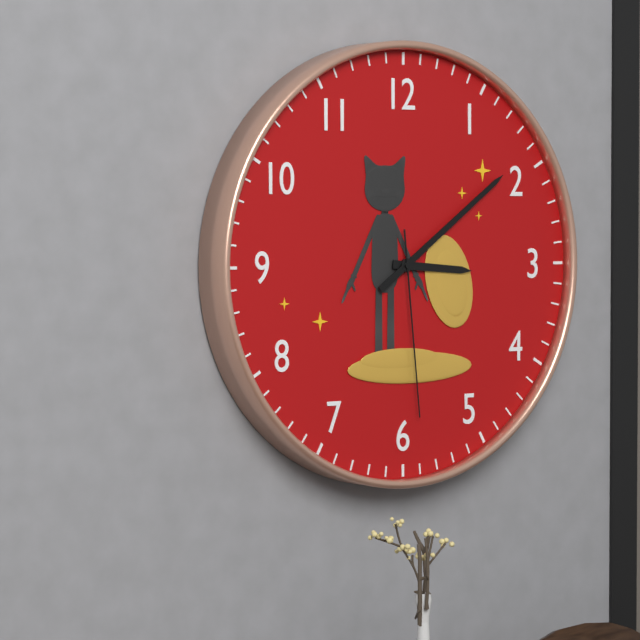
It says 3:09:29
